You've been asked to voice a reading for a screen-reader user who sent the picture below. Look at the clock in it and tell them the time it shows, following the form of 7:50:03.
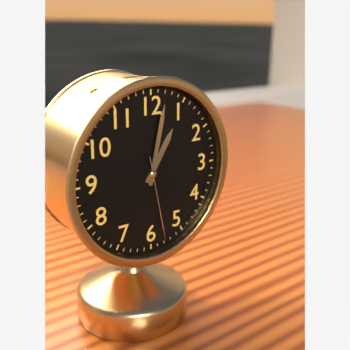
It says 1:02:28
